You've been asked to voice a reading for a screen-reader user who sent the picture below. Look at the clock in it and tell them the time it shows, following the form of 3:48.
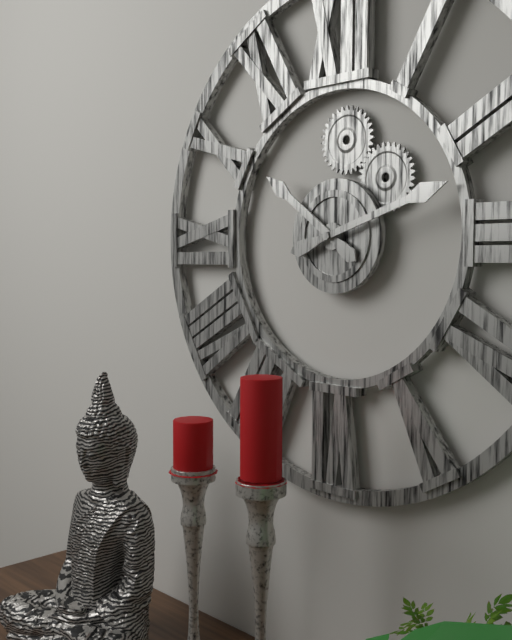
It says 10:12
